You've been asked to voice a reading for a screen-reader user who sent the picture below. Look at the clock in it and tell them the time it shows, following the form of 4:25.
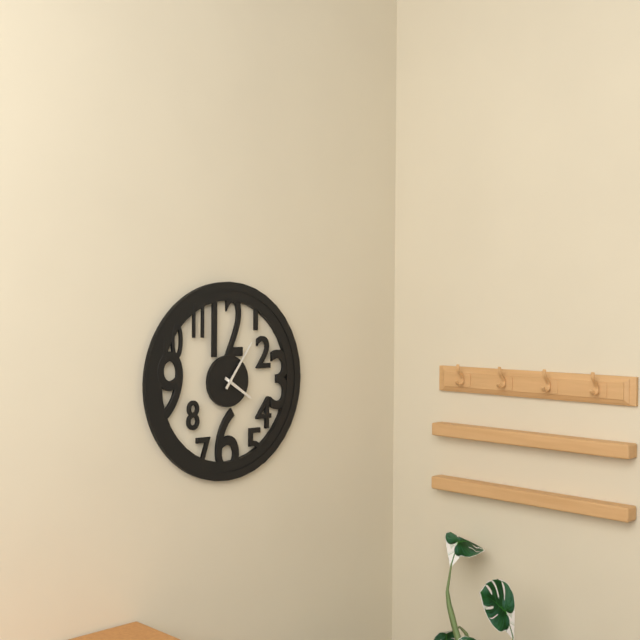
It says 4:06
